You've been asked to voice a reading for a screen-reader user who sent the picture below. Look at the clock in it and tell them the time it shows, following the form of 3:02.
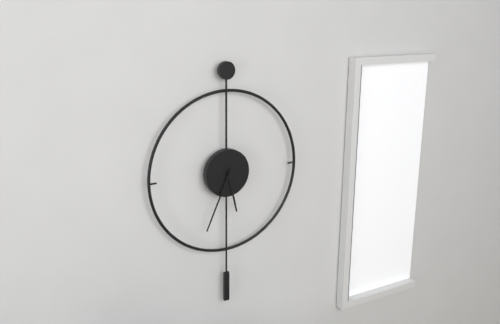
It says 5:34
